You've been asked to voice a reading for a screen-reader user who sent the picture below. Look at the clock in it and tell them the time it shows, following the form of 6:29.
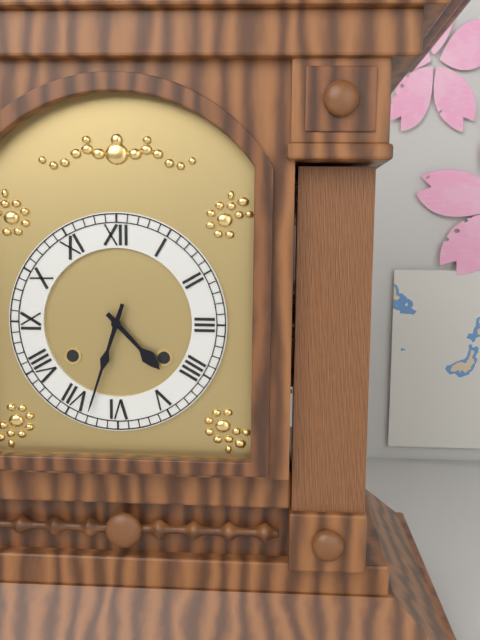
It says 4:33
